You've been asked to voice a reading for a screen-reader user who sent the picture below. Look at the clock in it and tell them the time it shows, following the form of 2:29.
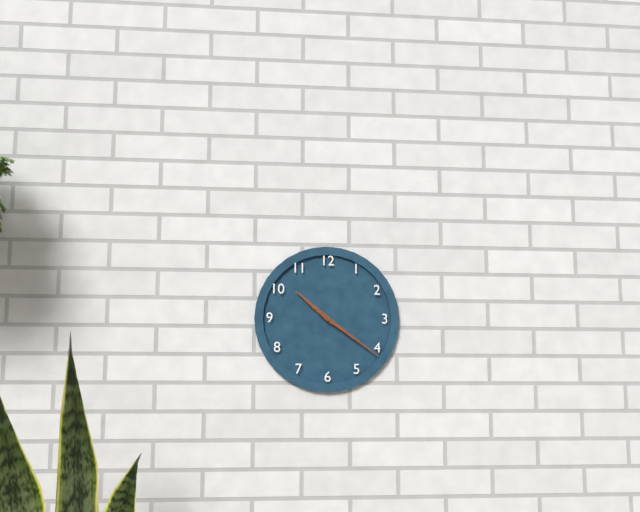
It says 10:21
